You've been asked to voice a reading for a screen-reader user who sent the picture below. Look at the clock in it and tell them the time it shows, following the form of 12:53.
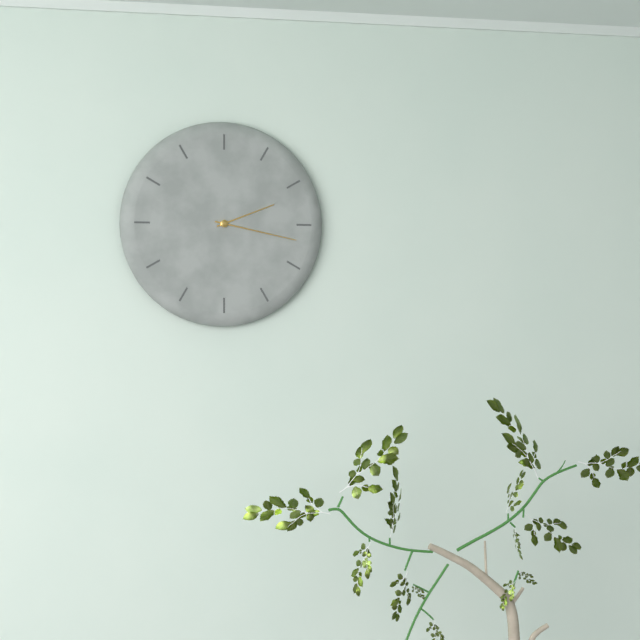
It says 2:17
